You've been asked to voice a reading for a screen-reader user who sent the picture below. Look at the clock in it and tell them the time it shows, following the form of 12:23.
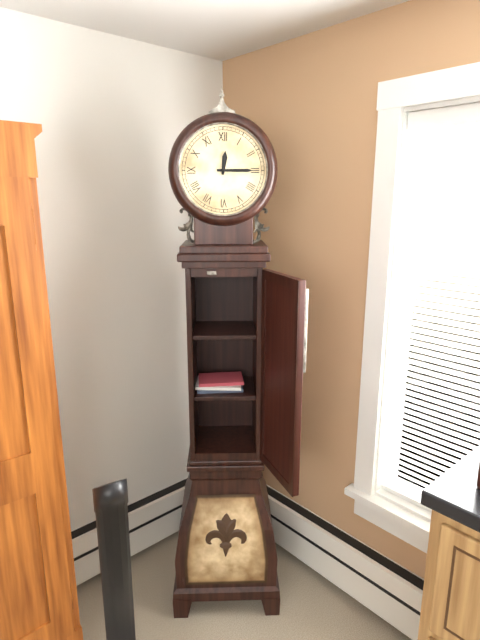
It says 12:15
